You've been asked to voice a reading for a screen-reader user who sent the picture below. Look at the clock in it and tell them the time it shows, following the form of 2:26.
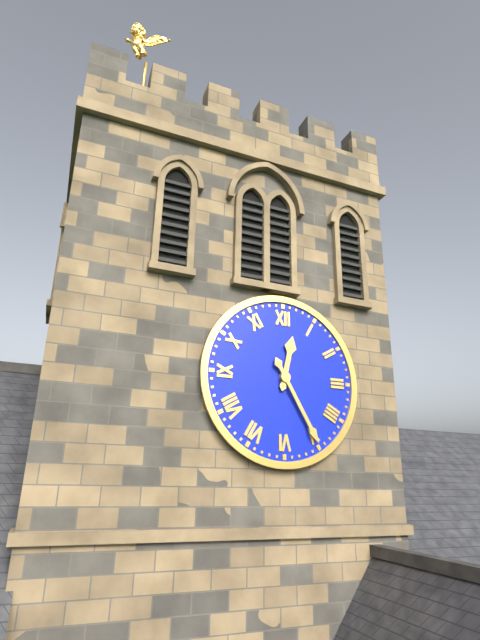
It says 12:25
